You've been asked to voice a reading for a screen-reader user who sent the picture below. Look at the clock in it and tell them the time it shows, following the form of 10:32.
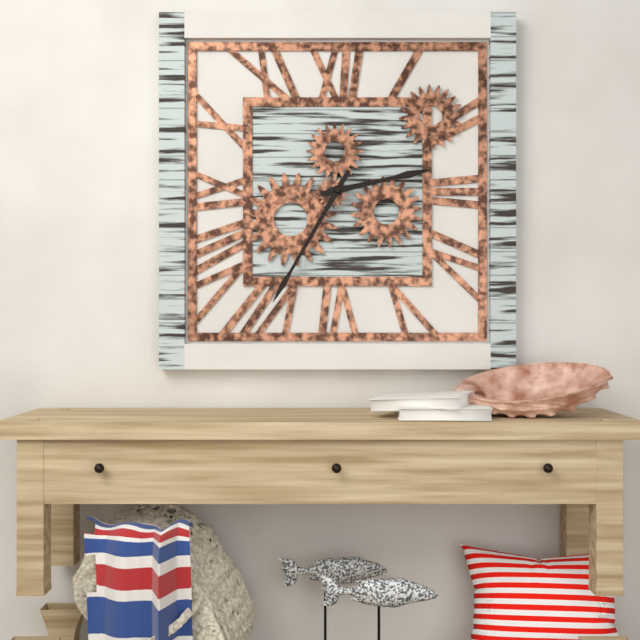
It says 2:35
